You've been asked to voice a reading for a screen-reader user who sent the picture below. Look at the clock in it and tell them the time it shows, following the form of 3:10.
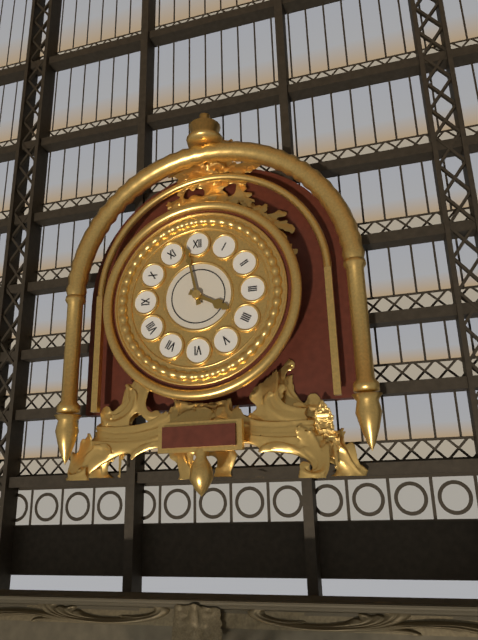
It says 3:58
